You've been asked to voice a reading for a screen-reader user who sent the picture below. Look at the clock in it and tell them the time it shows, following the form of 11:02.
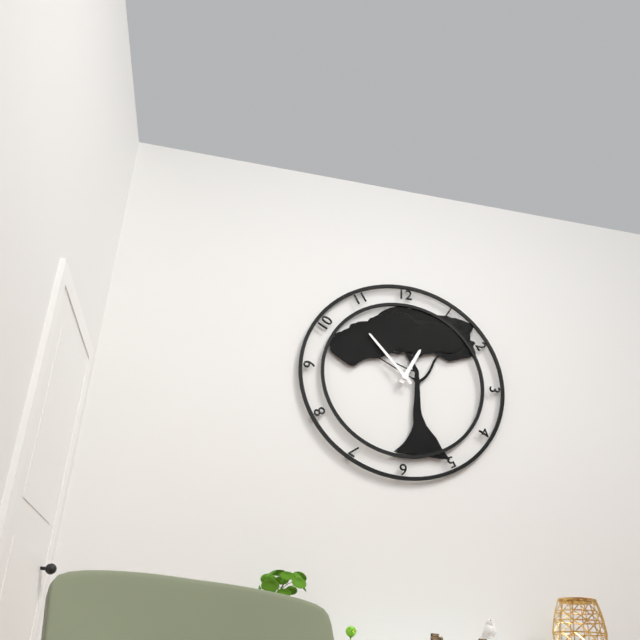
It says 12:53
